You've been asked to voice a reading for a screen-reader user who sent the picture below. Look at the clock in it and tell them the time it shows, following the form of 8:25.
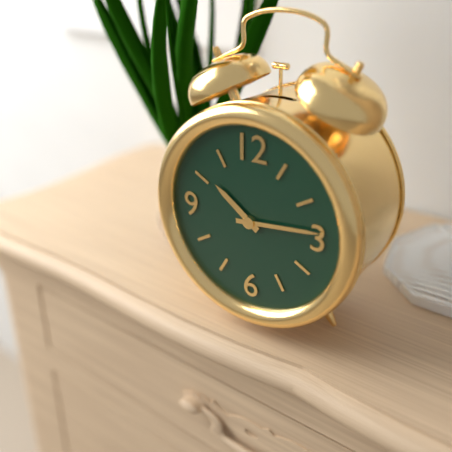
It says 10:14
